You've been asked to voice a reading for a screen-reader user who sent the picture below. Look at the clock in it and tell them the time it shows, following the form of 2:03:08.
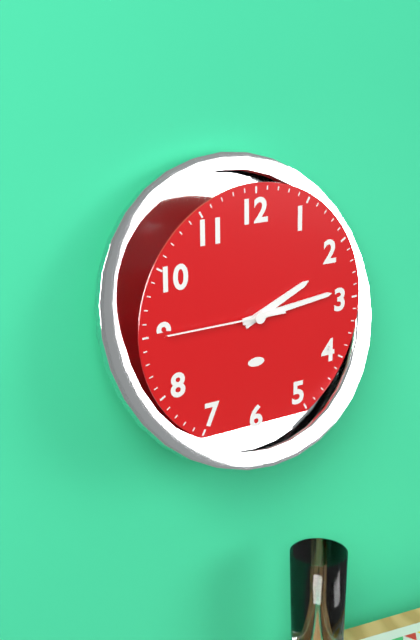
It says 2:14:45
